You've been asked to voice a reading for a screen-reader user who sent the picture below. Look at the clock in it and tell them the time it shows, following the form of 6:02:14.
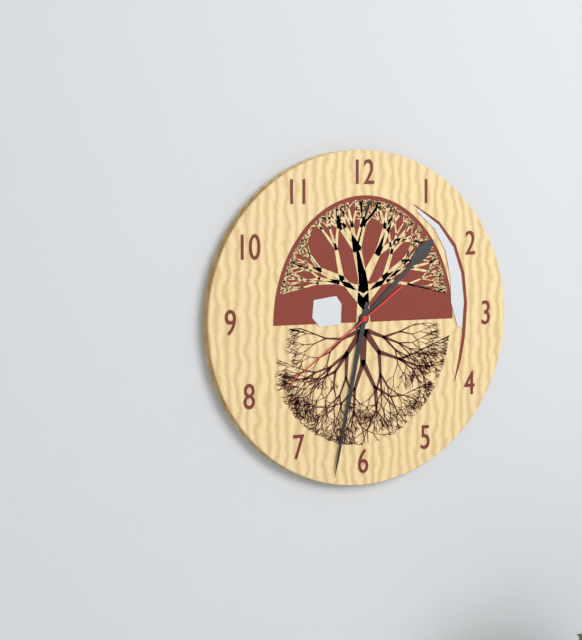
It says 1:32:39
